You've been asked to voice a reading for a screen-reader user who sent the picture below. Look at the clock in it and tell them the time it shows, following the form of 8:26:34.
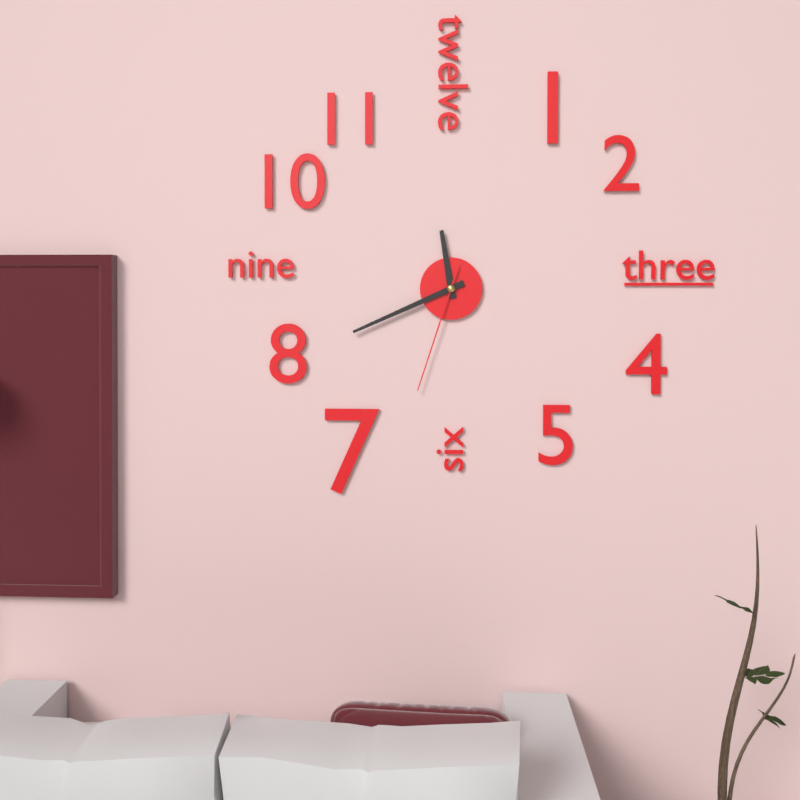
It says 11:41:33
